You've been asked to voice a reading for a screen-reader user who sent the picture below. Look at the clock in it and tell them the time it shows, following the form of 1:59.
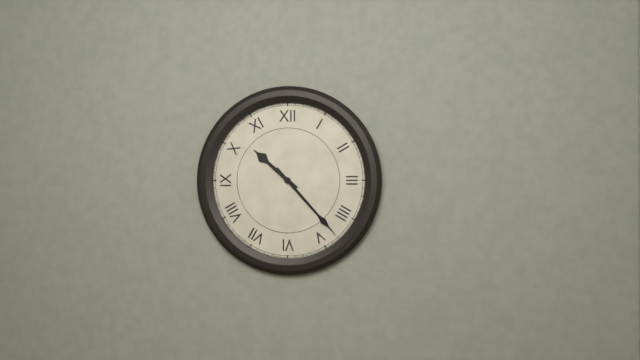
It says 10:23
